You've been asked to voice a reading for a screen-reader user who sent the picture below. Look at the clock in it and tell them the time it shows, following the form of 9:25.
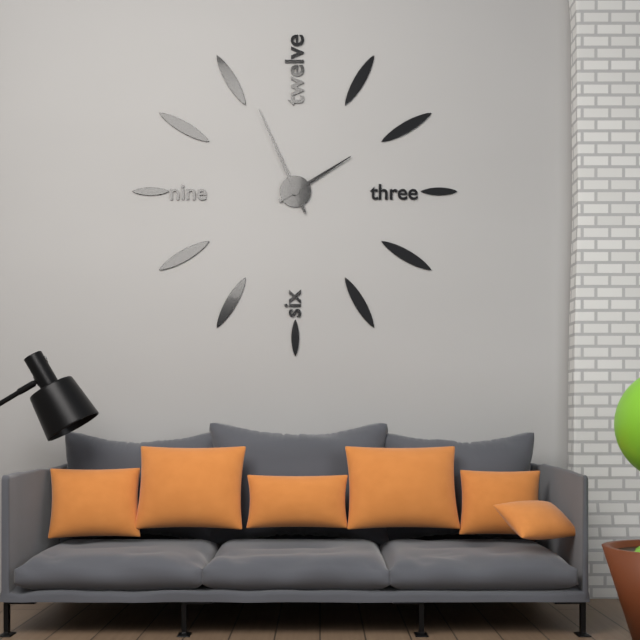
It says 1:56
